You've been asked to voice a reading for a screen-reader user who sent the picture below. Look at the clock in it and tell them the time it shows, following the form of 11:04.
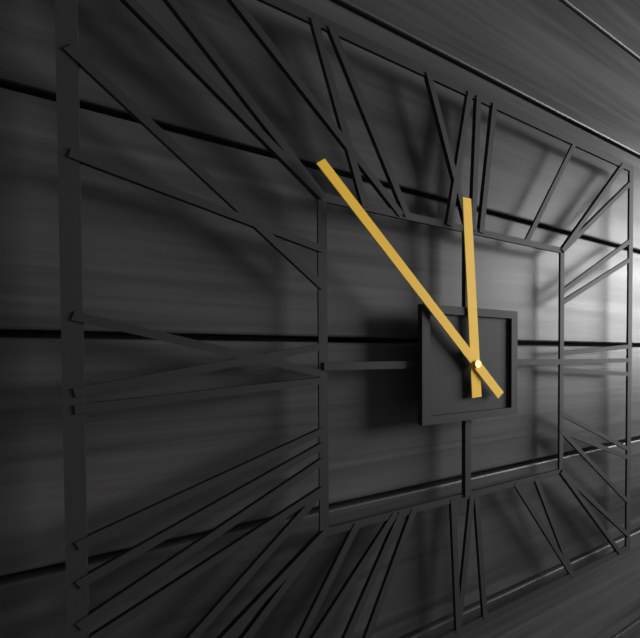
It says 11:53
